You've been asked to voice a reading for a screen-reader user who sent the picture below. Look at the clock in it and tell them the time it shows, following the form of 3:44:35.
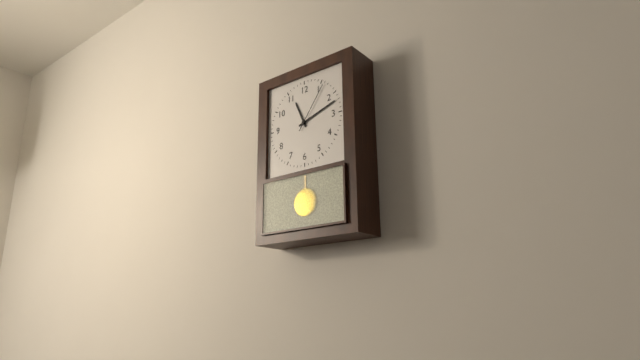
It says 11:12:06
